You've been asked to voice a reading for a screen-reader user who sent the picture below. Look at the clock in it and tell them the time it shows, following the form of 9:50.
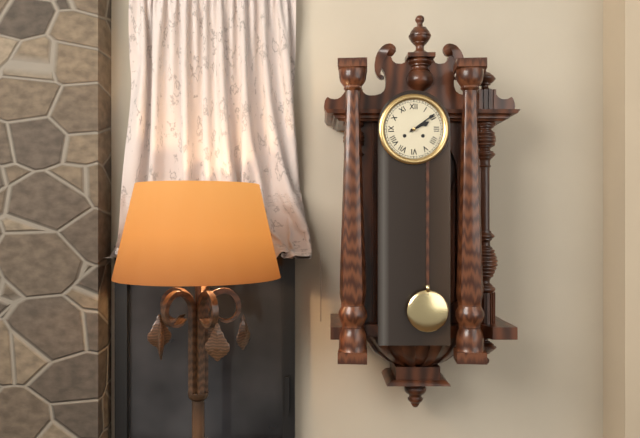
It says 2:09
